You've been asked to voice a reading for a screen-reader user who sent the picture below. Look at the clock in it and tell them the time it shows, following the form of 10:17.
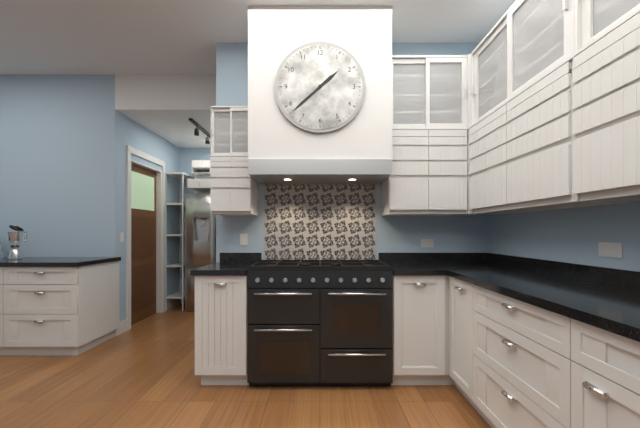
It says 1:38
